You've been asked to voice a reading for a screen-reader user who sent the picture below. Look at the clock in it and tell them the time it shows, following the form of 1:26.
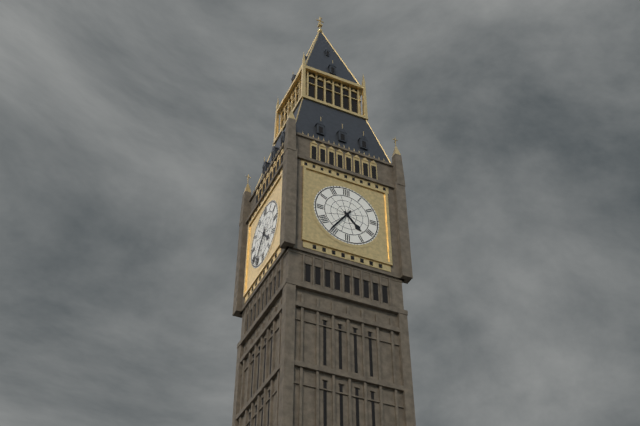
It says 4:36
